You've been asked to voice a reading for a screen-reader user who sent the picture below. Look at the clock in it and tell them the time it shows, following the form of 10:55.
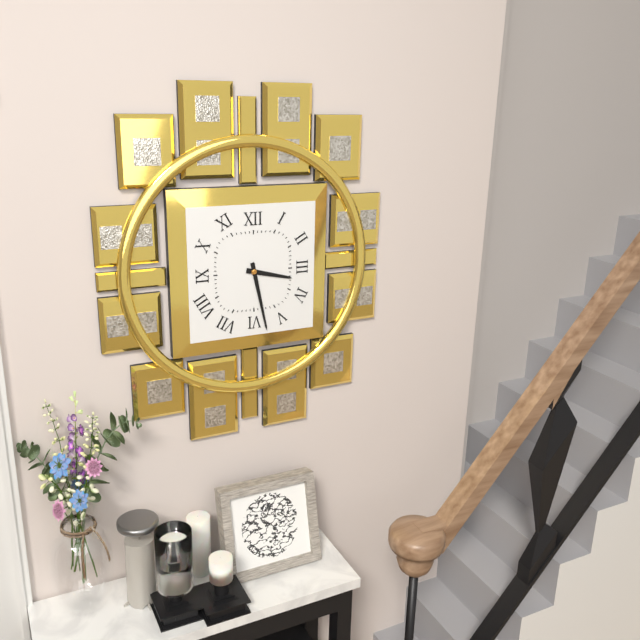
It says 3:28
